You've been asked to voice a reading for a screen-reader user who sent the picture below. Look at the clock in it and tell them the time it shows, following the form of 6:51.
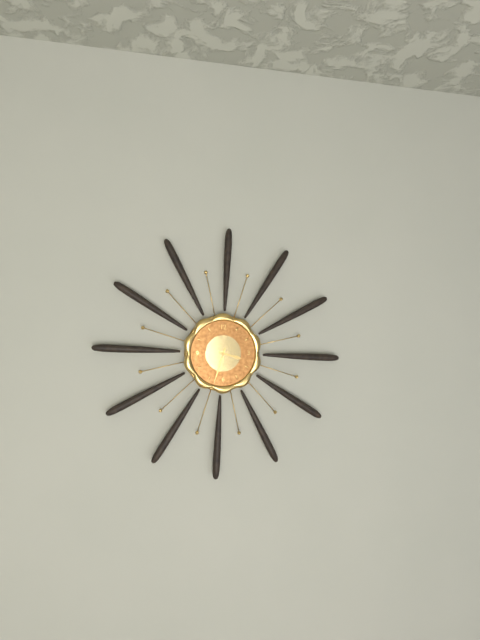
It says 3:33
